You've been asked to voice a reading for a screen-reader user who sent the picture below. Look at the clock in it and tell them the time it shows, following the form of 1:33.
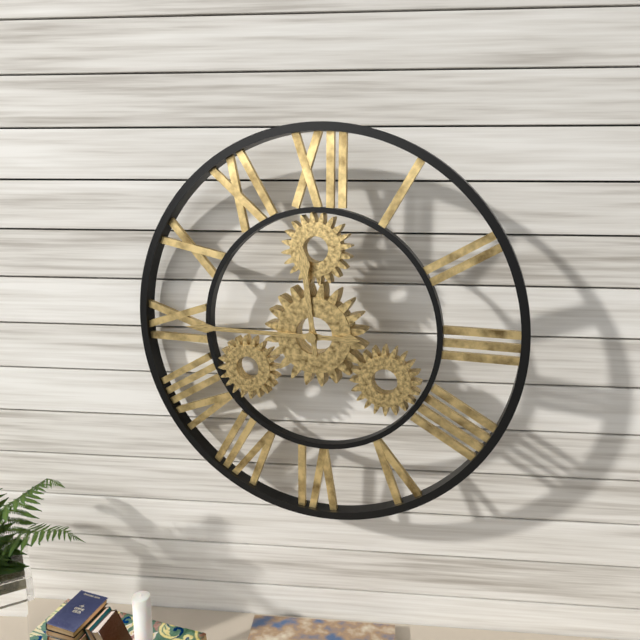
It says 11:45
